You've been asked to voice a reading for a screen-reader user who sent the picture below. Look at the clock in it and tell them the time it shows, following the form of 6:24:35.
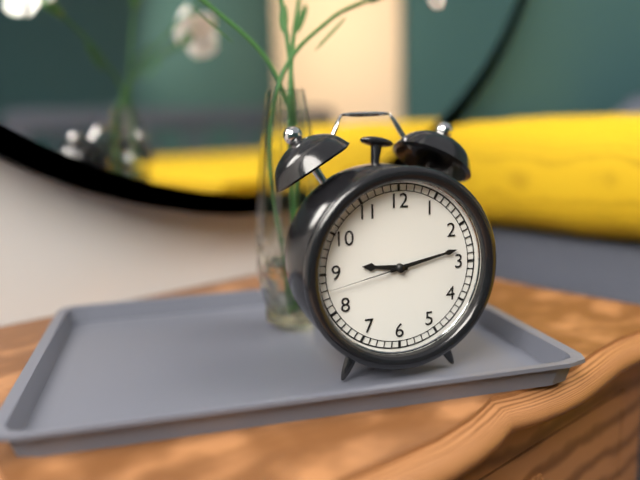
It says 9:13:43
